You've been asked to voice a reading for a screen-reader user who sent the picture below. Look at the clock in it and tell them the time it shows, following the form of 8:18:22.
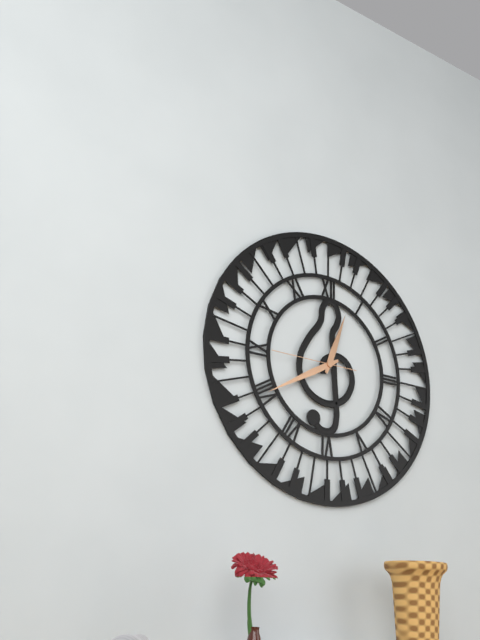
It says 12:40:45
